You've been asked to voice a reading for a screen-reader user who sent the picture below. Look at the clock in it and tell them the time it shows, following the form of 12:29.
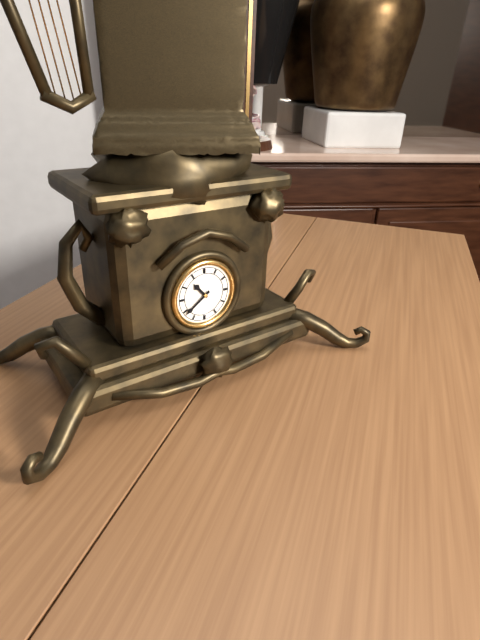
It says 10:39
